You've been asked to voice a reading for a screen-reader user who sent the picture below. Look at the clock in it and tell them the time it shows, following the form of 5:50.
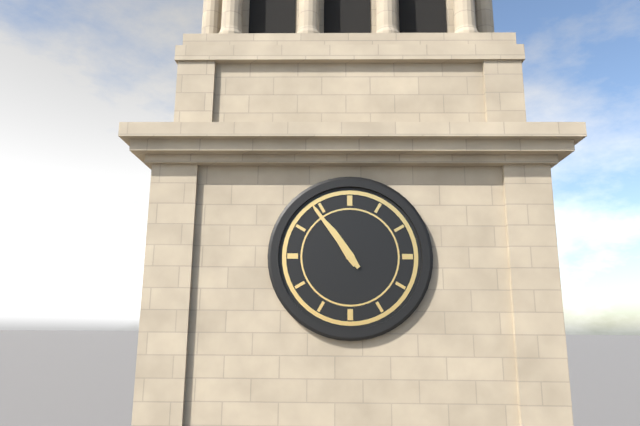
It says 10:54
